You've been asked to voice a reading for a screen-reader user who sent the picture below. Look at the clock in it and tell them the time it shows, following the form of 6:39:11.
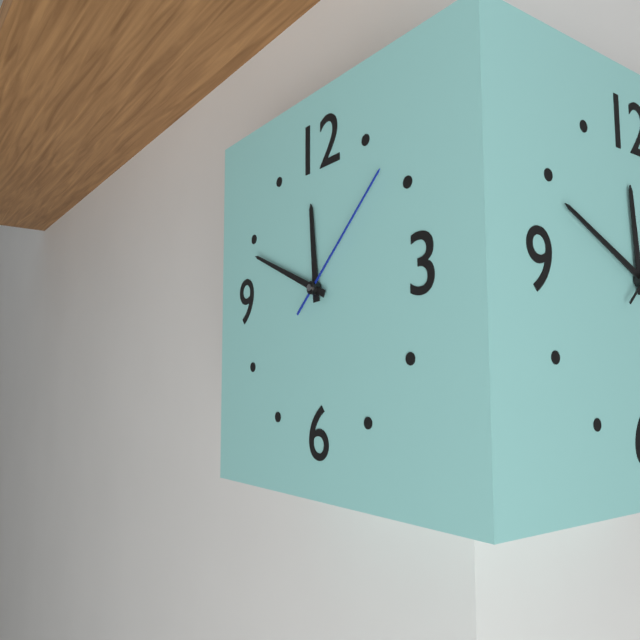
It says 11:49:08
